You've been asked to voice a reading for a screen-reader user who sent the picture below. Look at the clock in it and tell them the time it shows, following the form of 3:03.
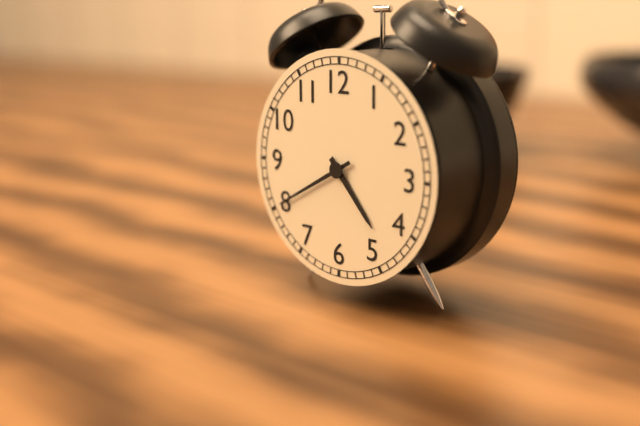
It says 4:40
